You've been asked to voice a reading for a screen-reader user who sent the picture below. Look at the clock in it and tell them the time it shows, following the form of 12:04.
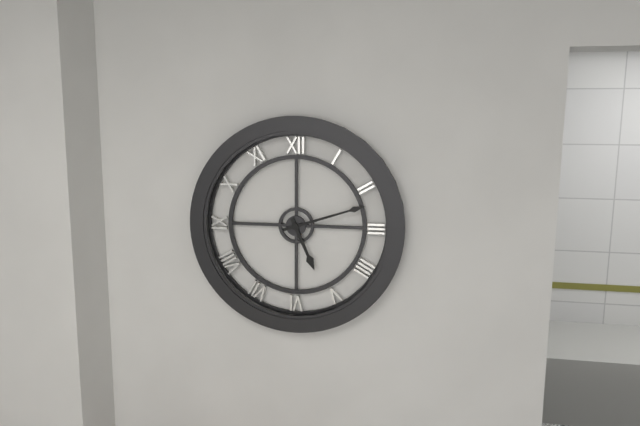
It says 5:12
